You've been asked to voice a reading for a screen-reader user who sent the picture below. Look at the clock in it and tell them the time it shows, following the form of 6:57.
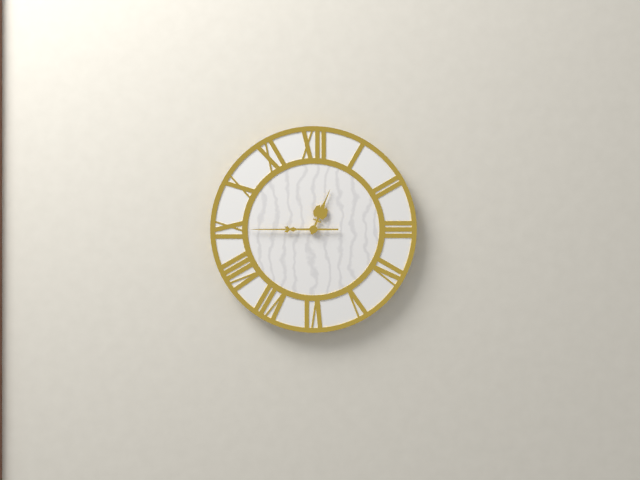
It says 12:45
